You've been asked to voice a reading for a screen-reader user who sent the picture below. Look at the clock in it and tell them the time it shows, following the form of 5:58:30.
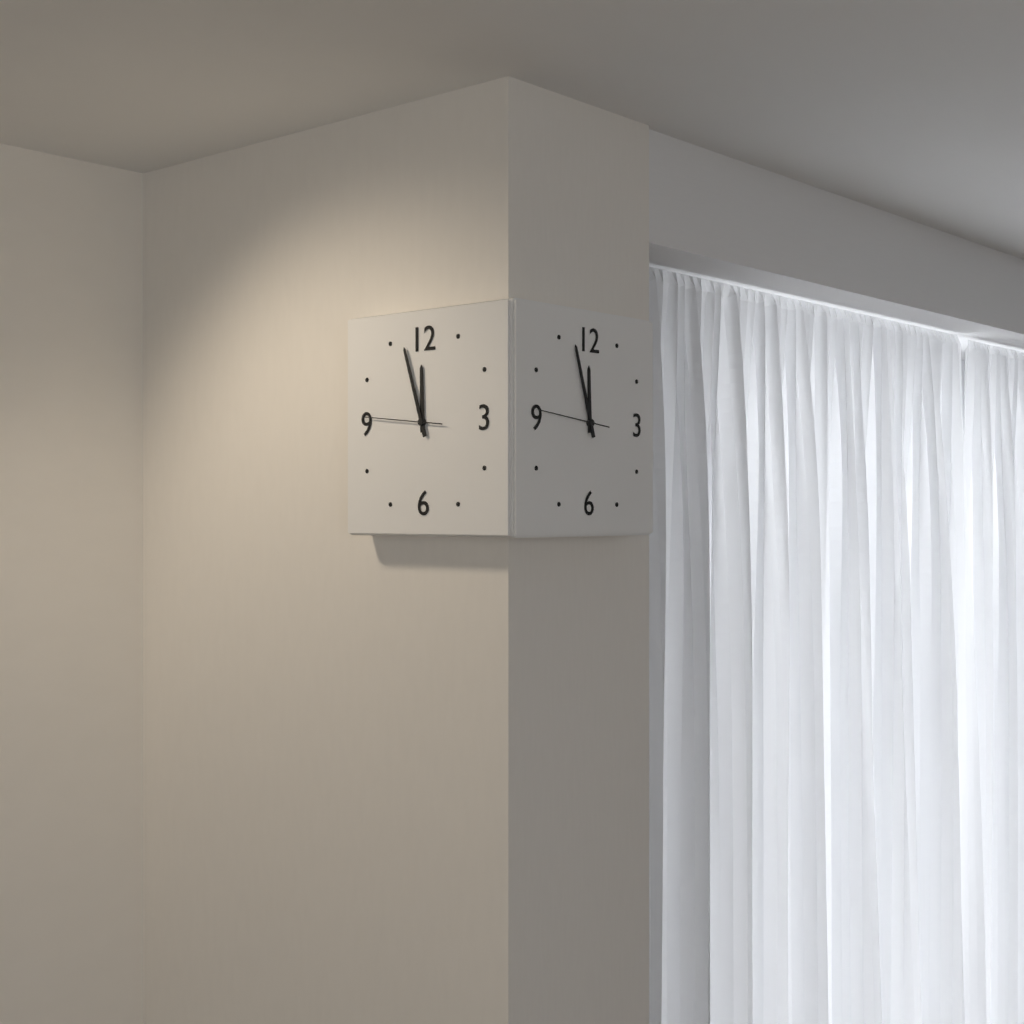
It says 11:57:46
